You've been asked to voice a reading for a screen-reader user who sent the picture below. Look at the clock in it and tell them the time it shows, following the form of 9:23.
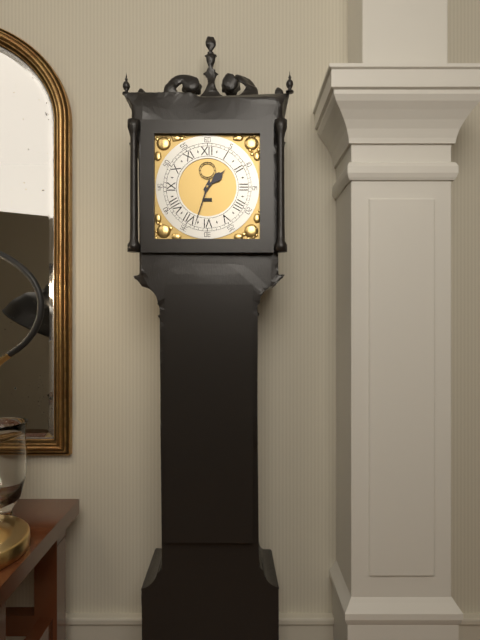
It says 1:33
